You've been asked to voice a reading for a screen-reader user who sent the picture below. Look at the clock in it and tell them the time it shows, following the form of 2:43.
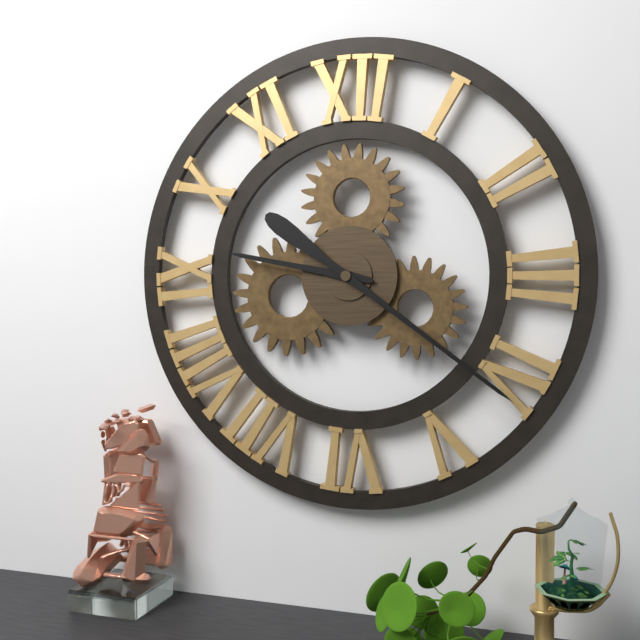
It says 9:21
